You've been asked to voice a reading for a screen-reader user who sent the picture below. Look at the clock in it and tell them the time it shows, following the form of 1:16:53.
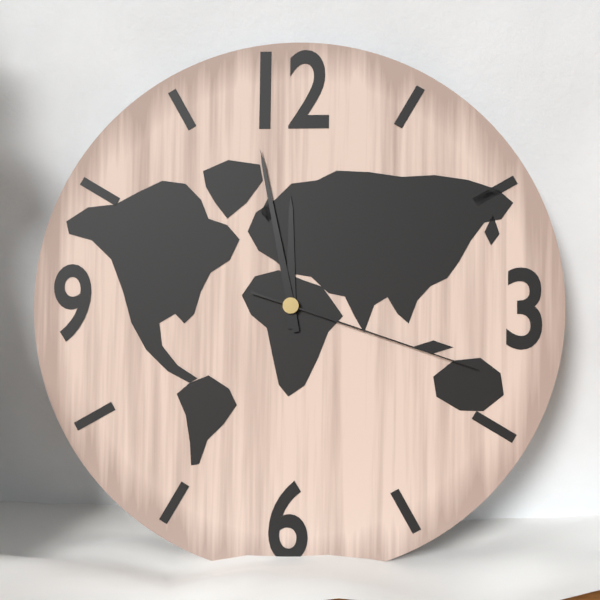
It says 11:58:18
